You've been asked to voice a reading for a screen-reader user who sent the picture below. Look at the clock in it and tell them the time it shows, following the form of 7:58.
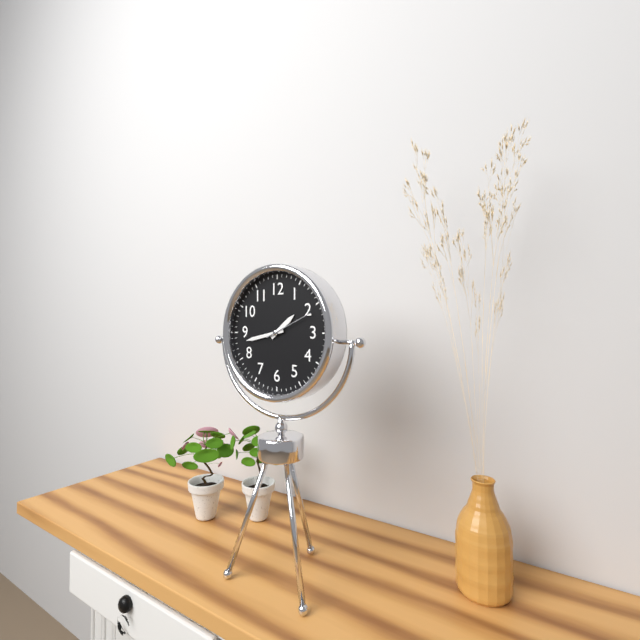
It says 1:43
